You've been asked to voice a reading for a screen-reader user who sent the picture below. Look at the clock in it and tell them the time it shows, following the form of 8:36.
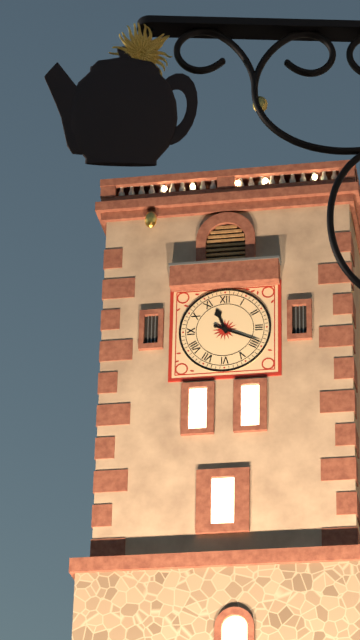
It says 11:19
